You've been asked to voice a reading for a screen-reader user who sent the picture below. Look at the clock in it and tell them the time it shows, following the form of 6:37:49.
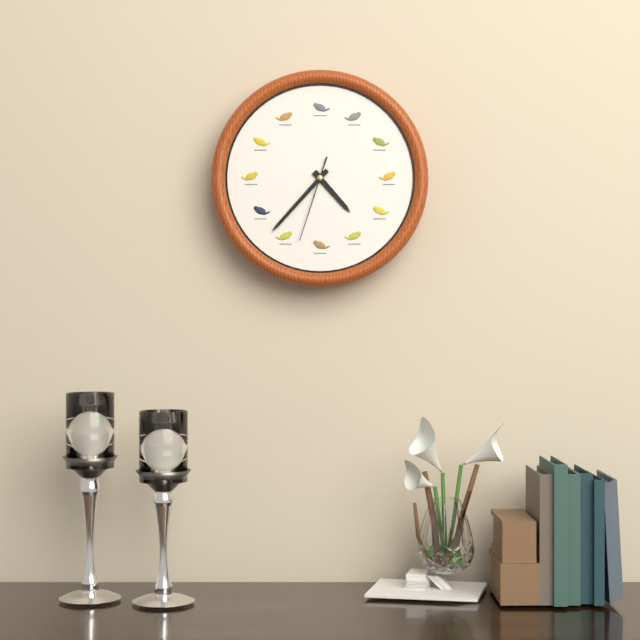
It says 4:37:33
